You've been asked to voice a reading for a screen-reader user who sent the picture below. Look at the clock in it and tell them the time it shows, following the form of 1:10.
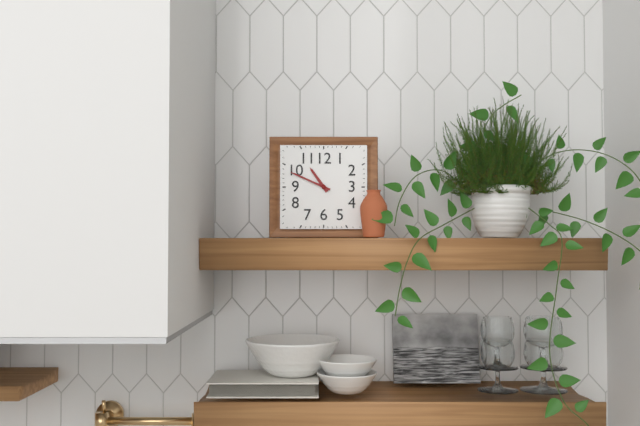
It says 10:49
